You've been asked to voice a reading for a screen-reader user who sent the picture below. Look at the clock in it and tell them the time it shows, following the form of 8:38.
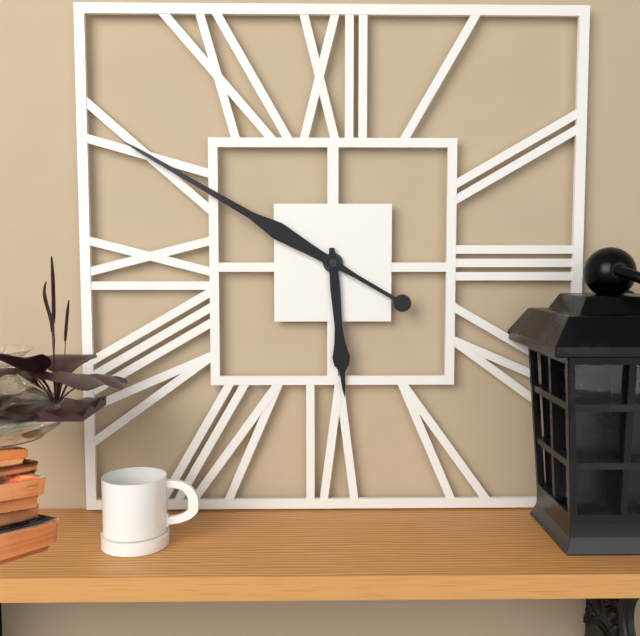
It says 5:50
